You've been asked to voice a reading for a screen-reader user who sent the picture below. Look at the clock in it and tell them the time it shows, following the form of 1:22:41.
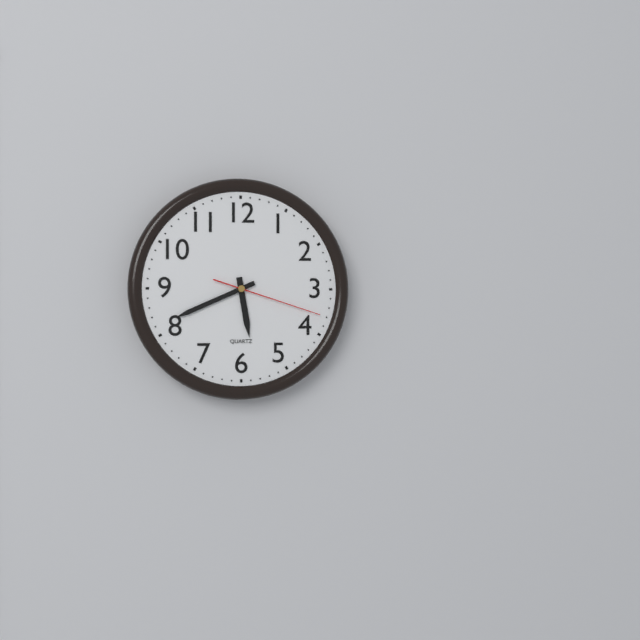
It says 5:41:18
